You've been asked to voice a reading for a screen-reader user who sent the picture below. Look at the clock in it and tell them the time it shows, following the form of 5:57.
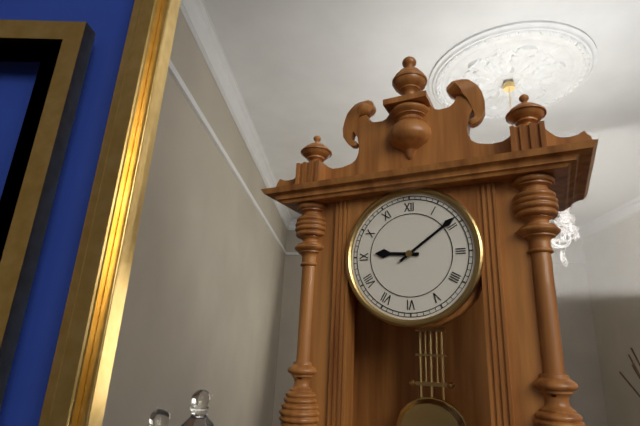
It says 9:09
